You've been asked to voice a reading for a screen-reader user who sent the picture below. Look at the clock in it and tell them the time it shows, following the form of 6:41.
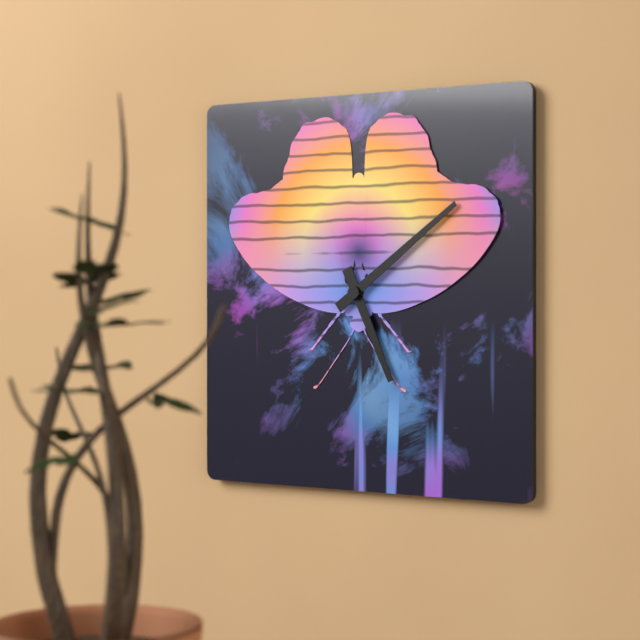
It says 5:09
